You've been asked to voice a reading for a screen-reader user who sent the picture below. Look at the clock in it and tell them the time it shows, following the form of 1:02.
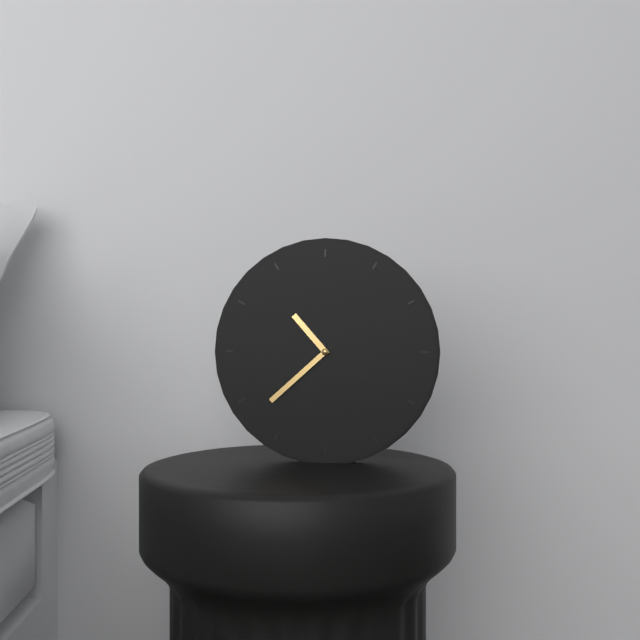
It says 10:38
